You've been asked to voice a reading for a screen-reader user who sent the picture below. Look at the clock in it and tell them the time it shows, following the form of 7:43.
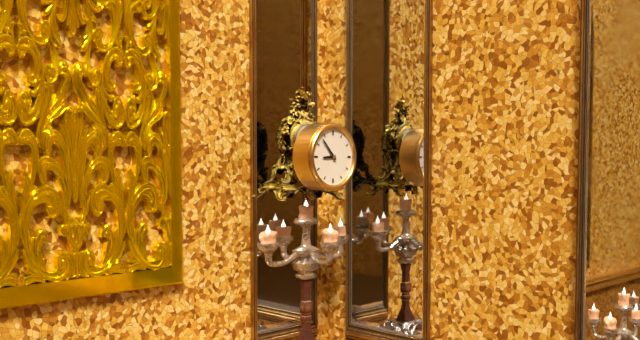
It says 8:53
